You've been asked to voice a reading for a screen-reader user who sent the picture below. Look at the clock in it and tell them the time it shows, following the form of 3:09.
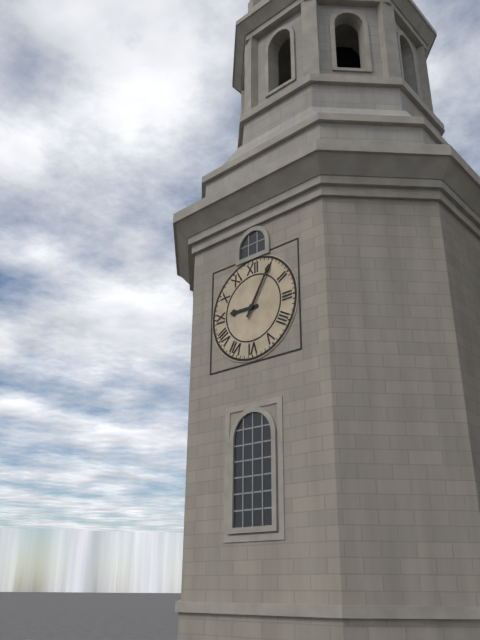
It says 9:05
